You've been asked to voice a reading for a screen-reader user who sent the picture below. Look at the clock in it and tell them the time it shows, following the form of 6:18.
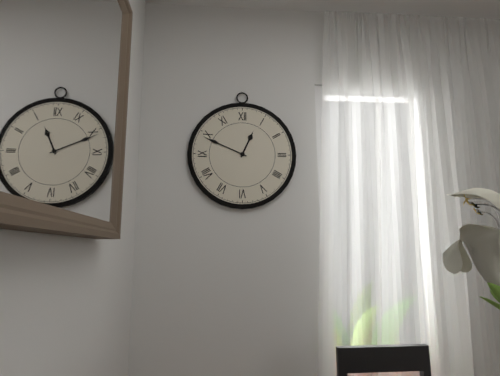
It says 12:49
